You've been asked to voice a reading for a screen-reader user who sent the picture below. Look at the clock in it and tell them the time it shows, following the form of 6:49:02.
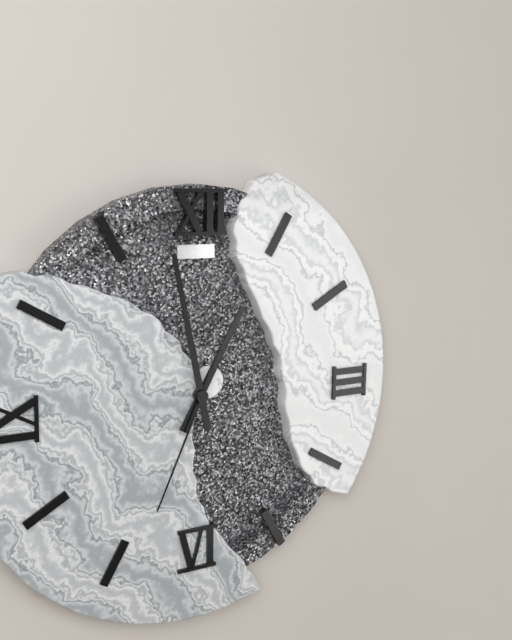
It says 12:58:34
